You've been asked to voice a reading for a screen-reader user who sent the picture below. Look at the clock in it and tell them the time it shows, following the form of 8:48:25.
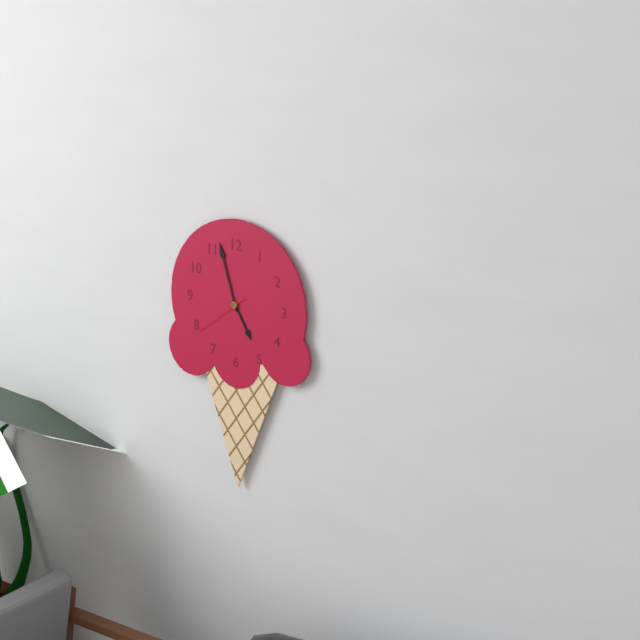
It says 4:57:39
